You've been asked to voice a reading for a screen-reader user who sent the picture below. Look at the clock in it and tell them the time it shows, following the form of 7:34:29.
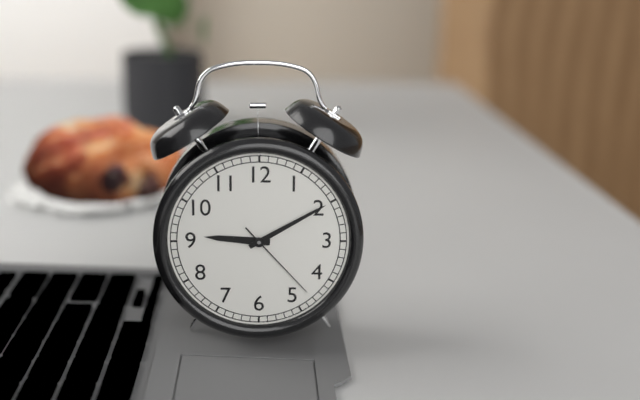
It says 9:10:23
